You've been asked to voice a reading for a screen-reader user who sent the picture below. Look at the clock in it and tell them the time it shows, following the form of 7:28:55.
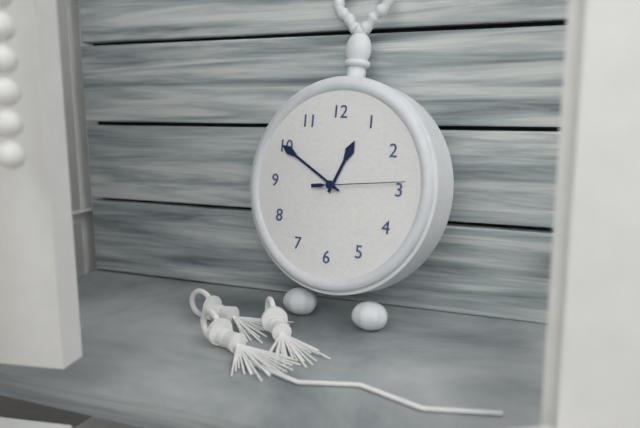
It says 12:50:14
